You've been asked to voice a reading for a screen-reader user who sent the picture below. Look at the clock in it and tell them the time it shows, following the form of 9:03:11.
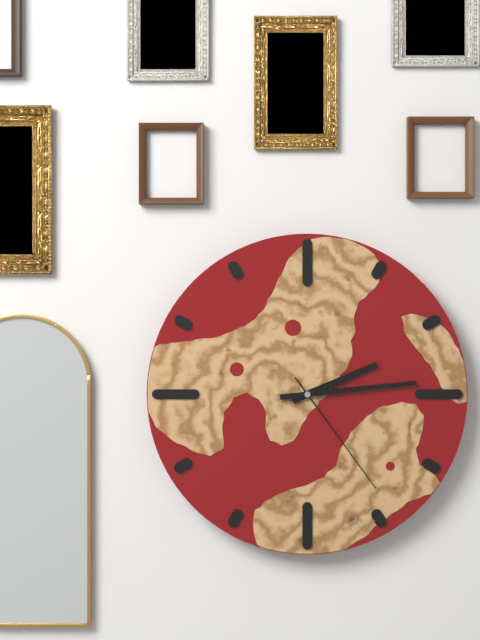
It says 2:14:24
